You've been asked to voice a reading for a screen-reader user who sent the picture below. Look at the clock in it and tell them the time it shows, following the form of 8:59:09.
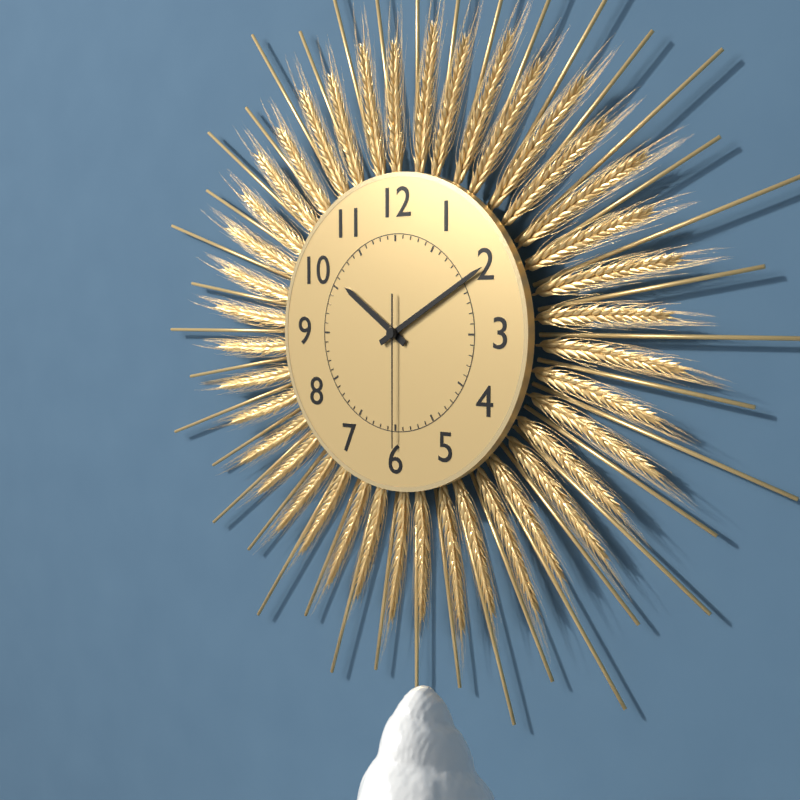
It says 10:10:30
